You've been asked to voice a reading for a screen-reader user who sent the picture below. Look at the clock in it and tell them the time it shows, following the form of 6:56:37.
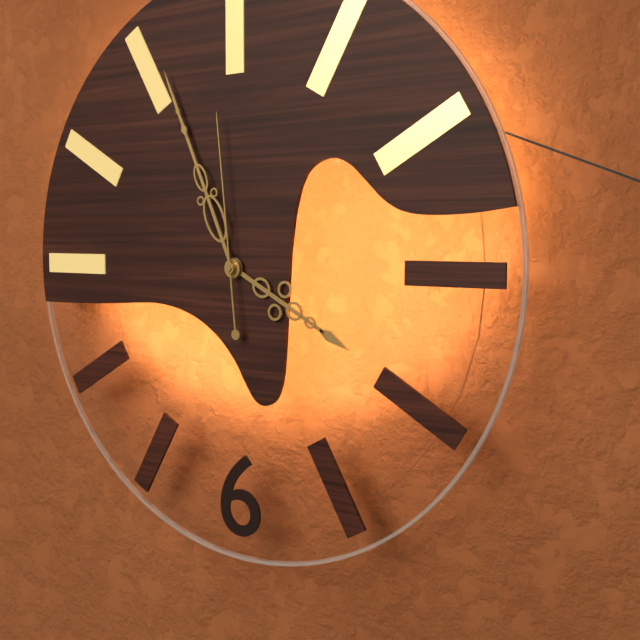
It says 3:56:59
